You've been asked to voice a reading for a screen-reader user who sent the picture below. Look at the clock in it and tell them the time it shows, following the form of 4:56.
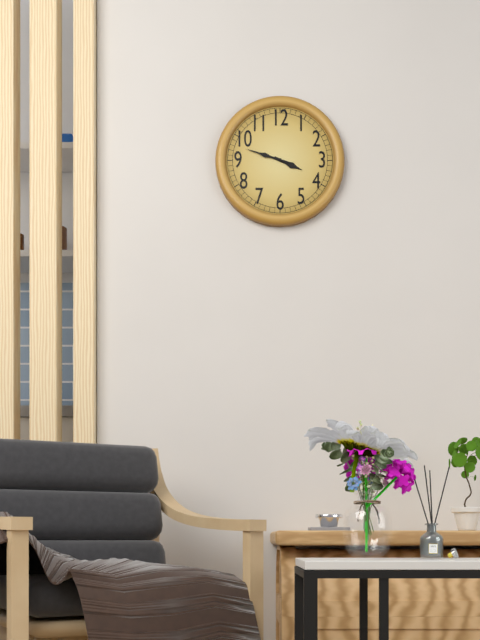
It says 3:48
